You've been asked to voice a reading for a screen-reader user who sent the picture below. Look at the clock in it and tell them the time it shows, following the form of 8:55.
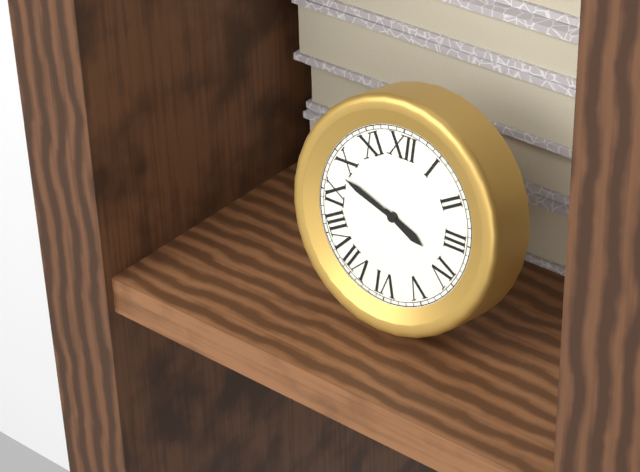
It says 3:48
